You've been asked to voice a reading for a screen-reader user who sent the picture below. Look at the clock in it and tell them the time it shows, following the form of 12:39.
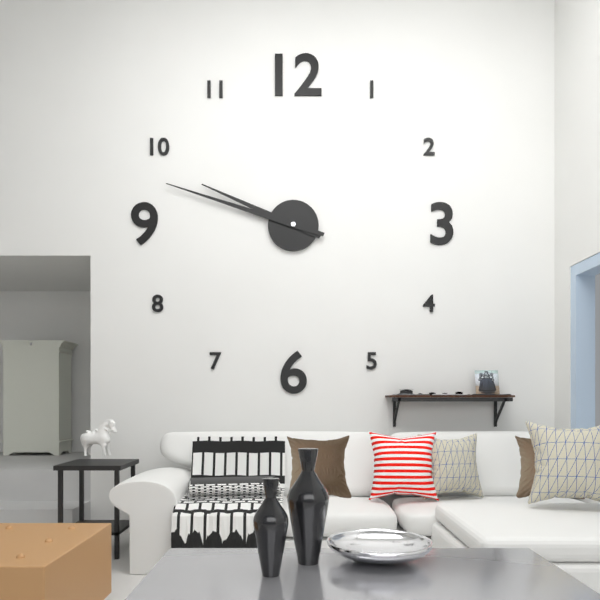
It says 9:48
